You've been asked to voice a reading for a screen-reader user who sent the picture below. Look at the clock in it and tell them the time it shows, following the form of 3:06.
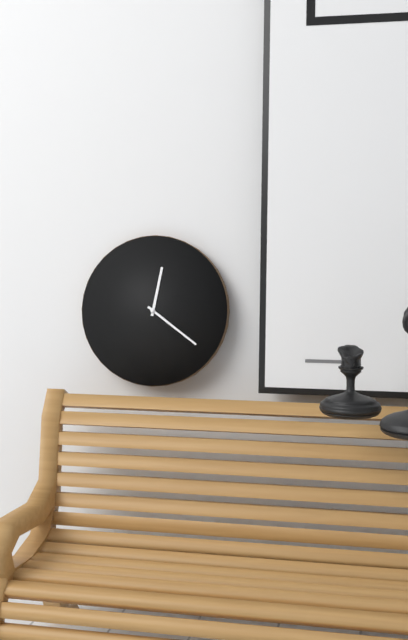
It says 12:21
